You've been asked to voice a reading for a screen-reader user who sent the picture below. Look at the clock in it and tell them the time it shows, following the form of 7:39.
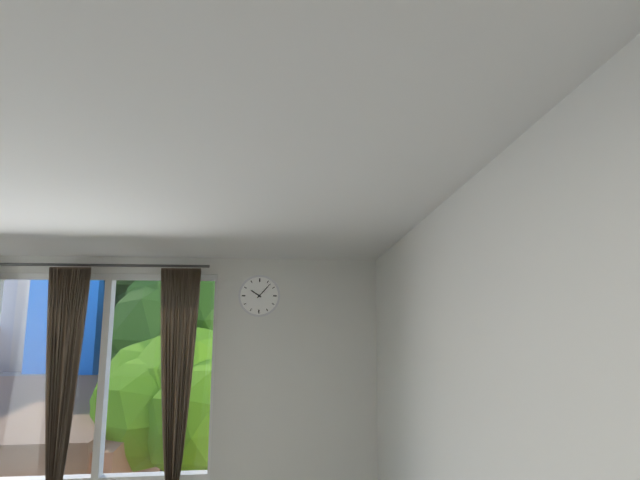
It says 10:07
